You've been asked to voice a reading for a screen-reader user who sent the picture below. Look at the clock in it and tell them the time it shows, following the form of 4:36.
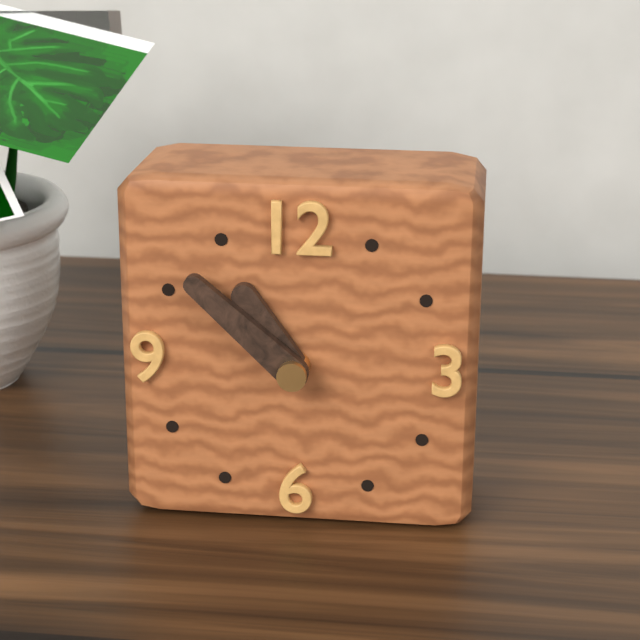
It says 10:52
